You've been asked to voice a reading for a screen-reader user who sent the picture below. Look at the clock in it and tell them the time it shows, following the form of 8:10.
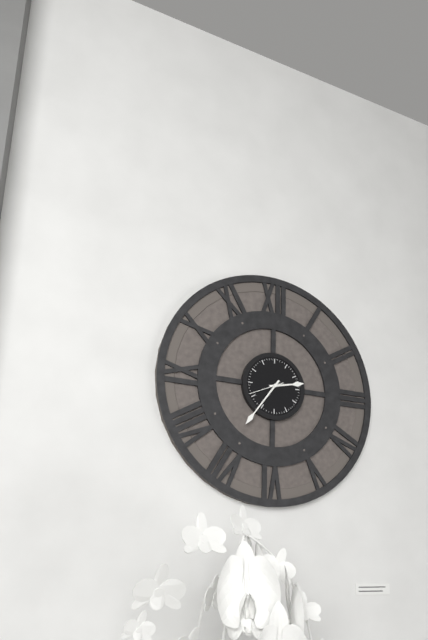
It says 2:36
